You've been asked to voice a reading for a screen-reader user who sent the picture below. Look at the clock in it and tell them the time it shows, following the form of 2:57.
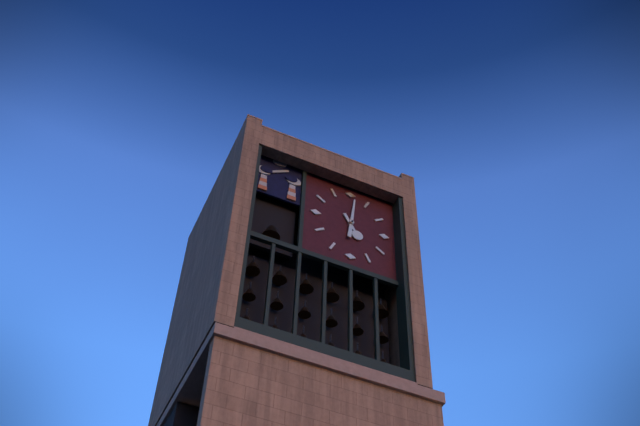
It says 5:01
